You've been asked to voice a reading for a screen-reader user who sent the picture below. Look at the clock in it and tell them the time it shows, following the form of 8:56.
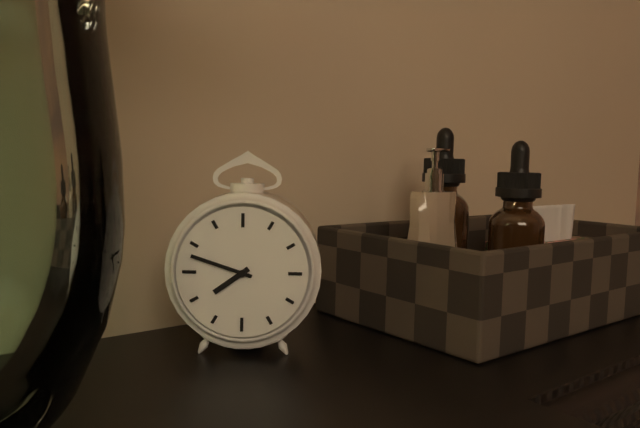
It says 7:48
